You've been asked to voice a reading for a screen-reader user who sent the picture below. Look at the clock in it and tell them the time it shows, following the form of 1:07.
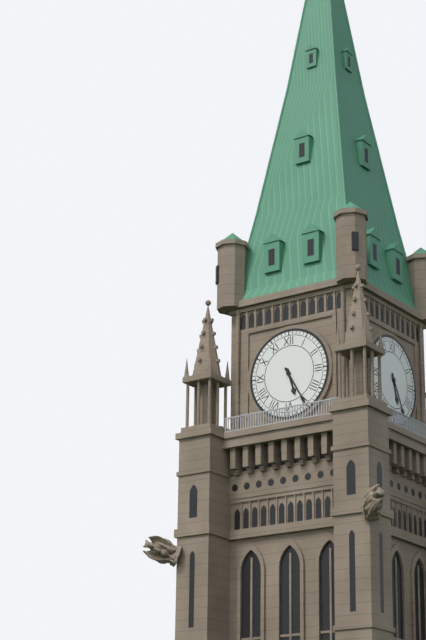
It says 5:25
